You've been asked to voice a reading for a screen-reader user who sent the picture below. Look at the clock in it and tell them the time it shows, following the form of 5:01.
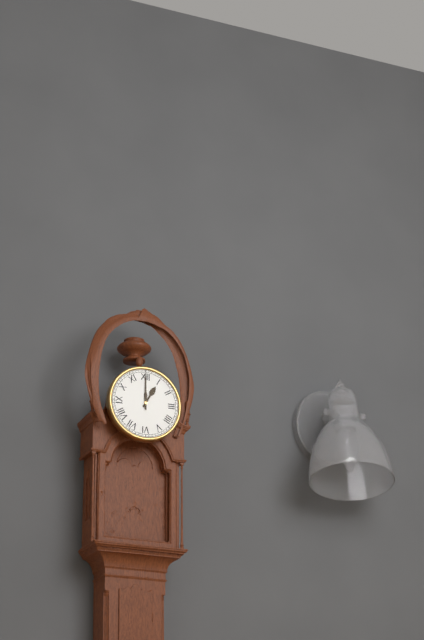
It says 1:00
